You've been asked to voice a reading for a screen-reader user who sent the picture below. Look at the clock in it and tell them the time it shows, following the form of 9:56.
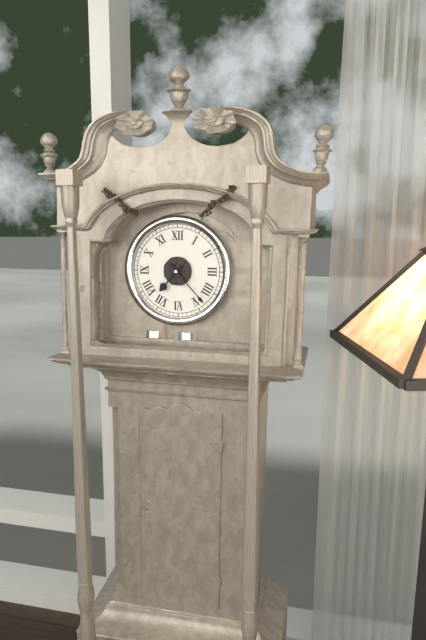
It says 7:23
